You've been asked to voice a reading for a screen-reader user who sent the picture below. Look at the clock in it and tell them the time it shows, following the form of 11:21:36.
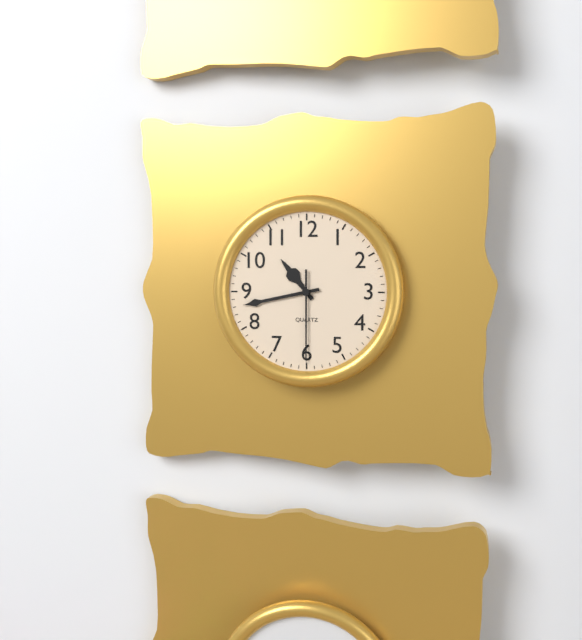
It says 10:43:30
